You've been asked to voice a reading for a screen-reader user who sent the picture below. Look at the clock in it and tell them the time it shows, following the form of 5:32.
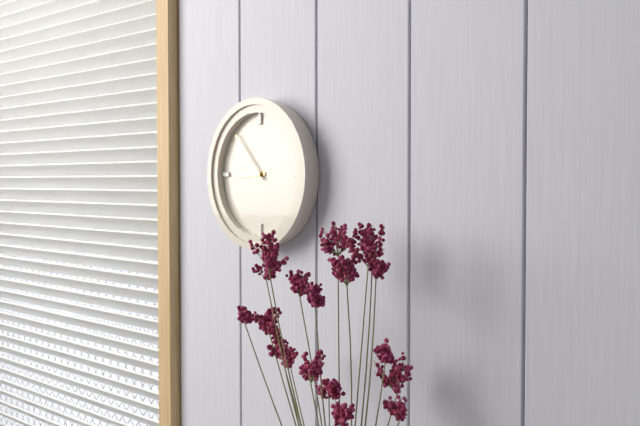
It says 8:53
